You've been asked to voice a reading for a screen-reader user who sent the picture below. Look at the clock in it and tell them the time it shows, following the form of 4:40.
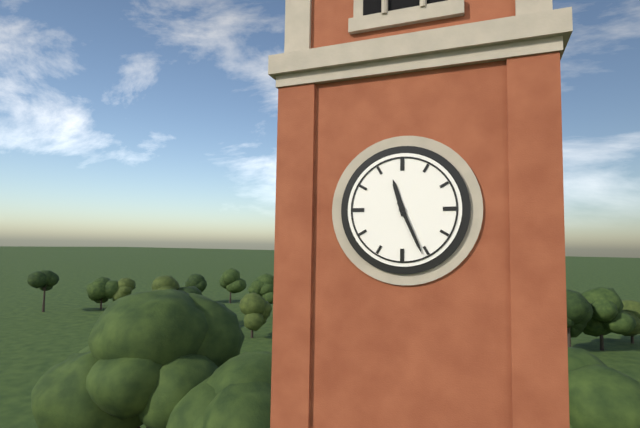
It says 11:26
